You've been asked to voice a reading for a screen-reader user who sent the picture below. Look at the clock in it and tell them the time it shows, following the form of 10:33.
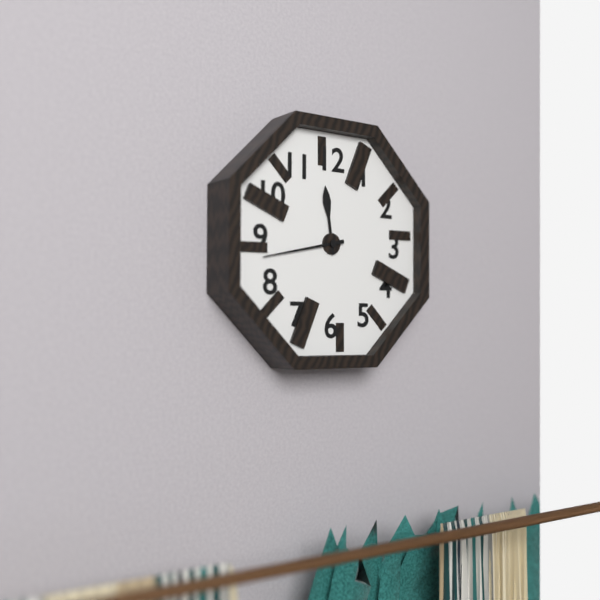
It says 11:43
